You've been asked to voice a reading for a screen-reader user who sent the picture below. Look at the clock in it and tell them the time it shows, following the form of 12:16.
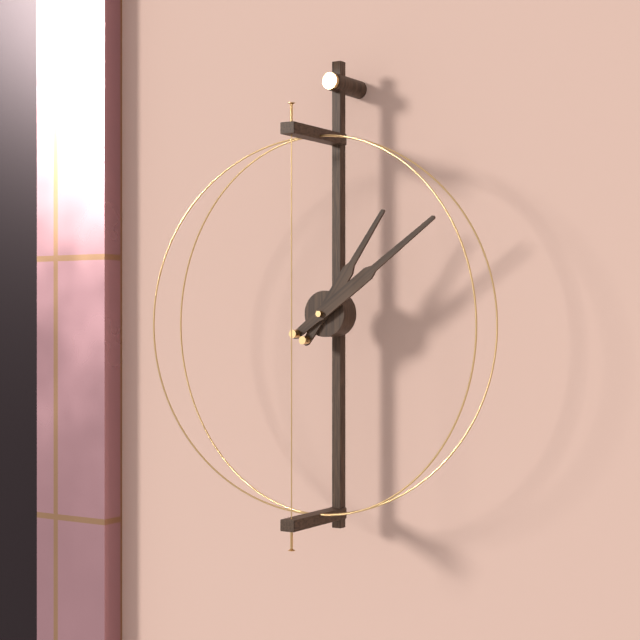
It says 1:09
